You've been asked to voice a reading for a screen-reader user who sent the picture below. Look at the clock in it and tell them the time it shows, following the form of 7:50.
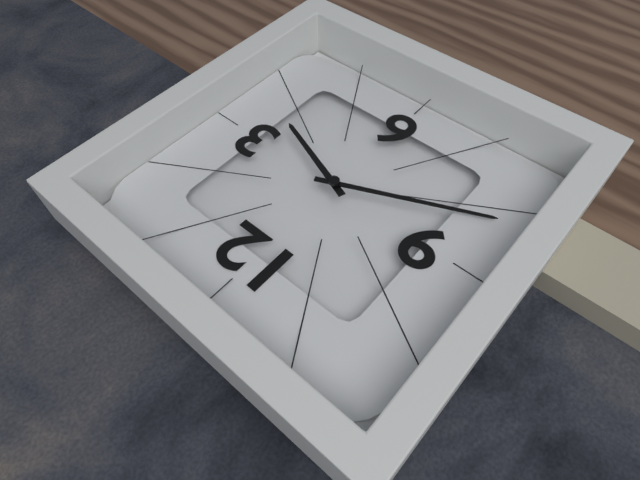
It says 3:41
